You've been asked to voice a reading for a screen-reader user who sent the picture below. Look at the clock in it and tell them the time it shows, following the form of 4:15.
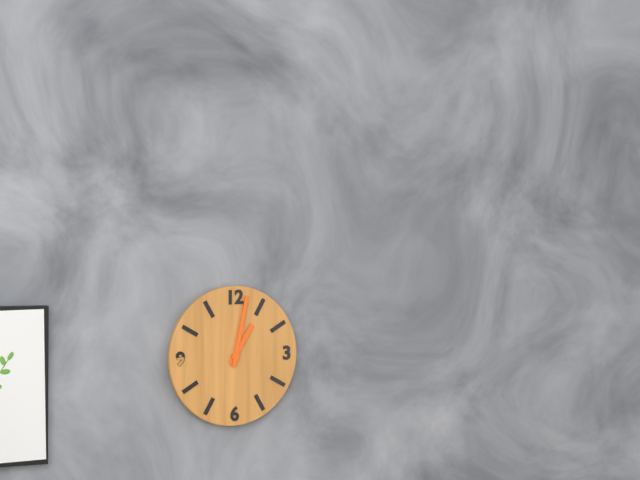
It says 1:02
